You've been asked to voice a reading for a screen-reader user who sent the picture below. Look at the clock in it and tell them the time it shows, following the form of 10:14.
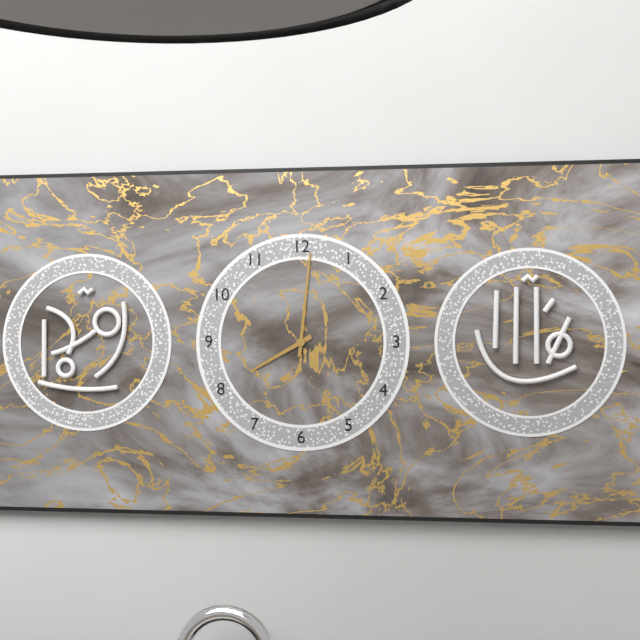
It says 8:01
